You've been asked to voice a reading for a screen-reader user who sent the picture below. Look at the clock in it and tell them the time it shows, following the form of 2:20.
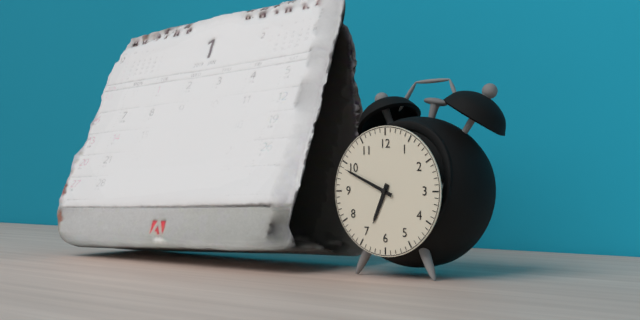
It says 6:49
